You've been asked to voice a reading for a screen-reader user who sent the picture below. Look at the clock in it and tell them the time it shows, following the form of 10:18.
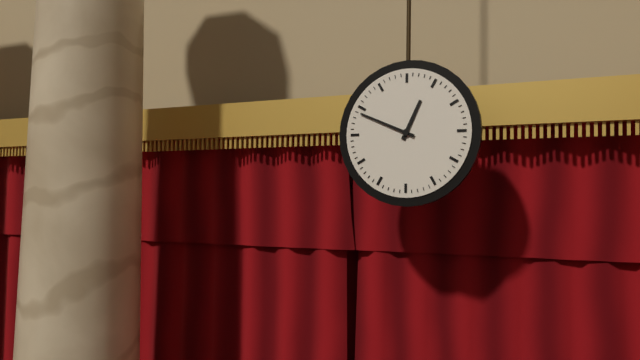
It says 12:49
